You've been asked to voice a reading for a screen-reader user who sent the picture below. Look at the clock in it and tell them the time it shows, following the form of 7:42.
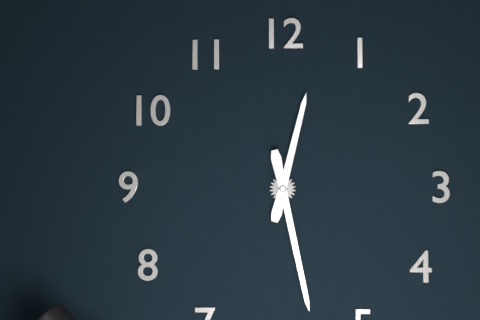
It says 12:28
